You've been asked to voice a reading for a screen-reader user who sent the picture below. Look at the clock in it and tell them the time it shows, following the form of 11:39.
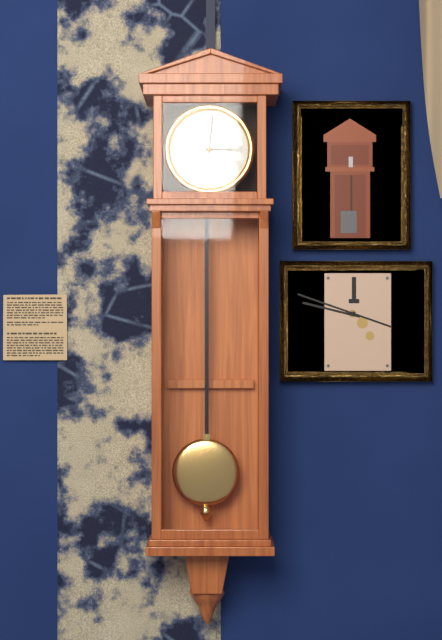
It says 3:01
